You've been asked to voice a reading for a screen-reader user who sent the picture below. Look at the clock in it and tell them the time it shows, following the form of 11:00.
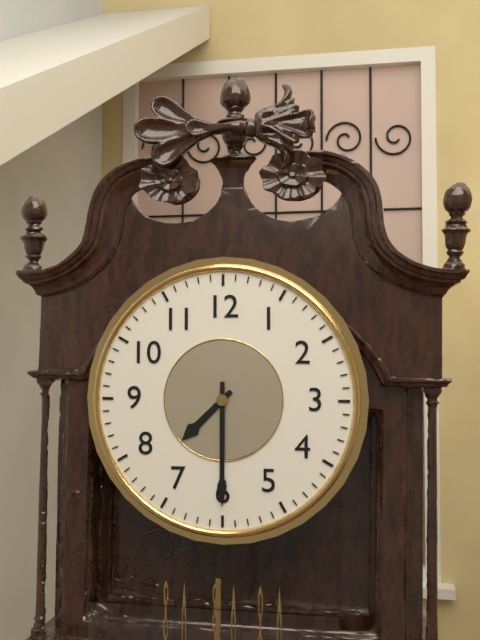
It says 7:30
